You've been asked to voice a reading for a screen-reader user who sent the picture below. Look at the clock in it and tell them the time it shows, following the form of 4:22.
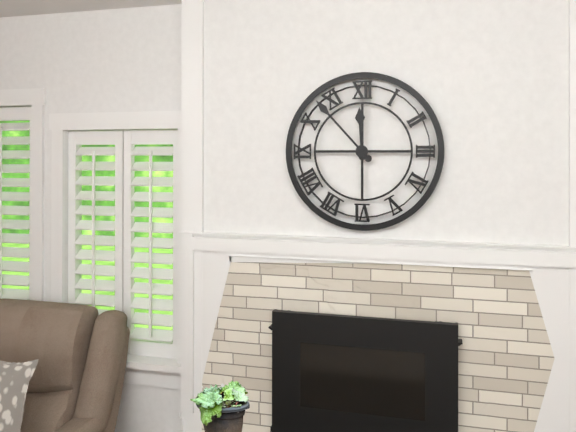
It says 11:53
